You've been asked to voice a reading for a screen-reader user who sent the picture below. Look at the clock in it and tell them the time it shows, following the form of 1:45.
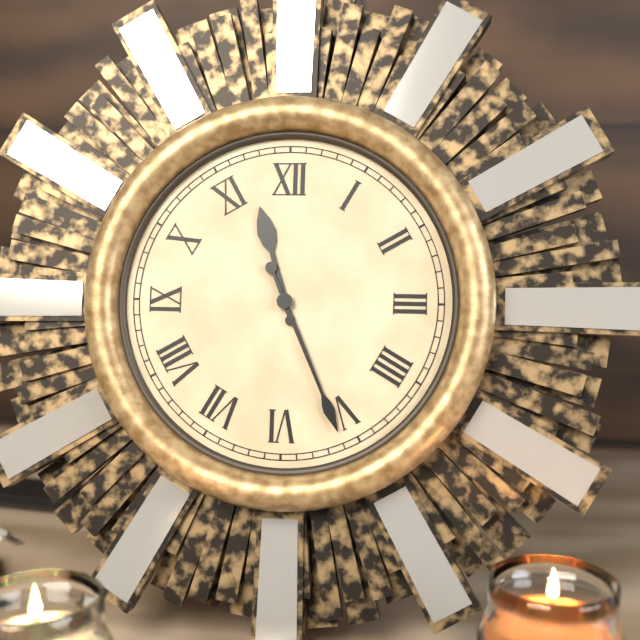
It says 11:26
